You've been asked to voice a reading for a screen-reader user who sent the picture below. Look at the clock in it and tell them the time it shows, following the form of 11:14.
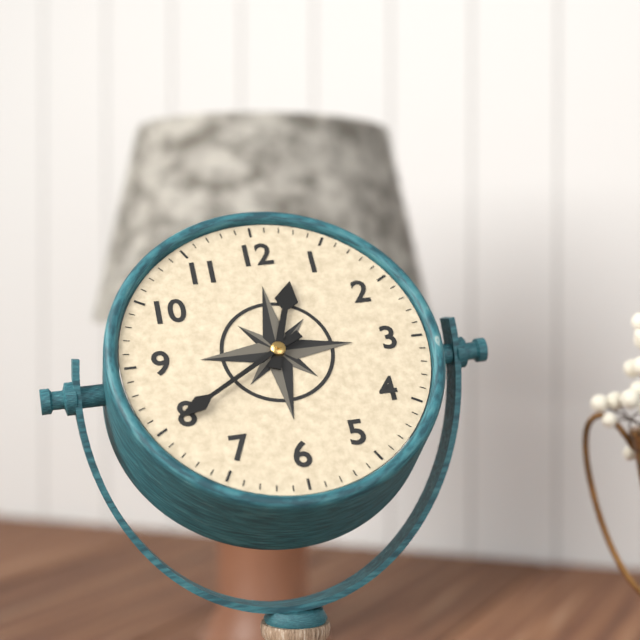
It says 12:40
